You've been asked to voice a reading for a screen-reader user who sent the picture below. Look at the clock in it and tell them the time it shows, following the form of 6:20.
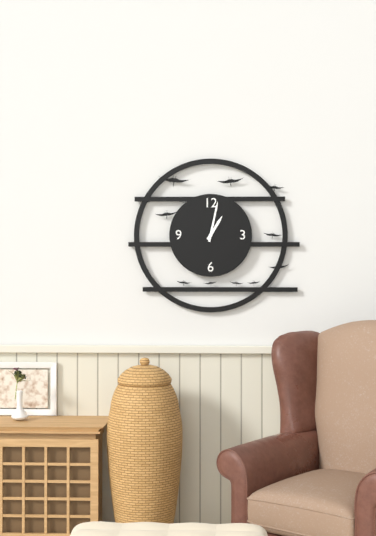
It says 1:02
